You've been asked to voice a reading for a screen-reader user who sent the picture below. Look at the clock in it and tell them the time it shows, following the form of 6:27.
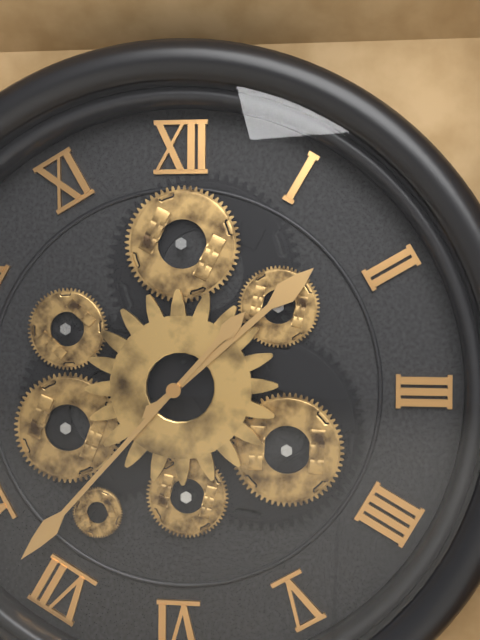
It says 1:37
